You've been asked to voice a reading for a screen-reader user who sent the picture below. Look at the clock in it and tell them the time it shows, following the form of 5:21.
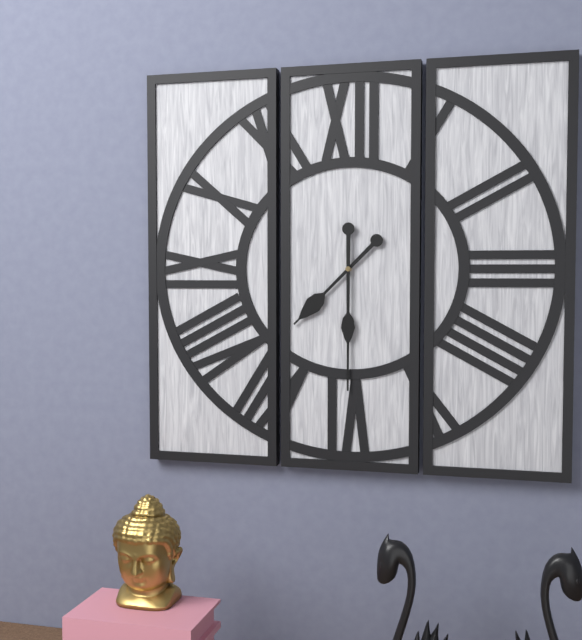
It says 7:30
